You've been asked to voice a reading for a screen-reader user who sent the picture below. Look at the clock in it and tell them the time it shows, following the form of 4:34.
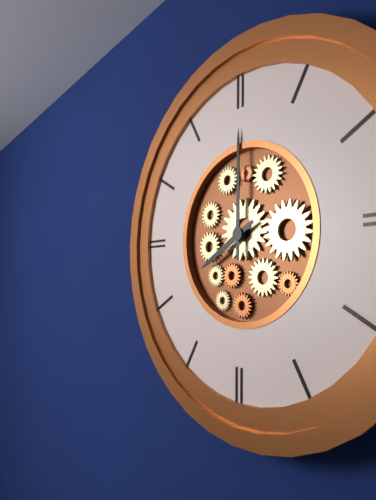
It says 8:00
